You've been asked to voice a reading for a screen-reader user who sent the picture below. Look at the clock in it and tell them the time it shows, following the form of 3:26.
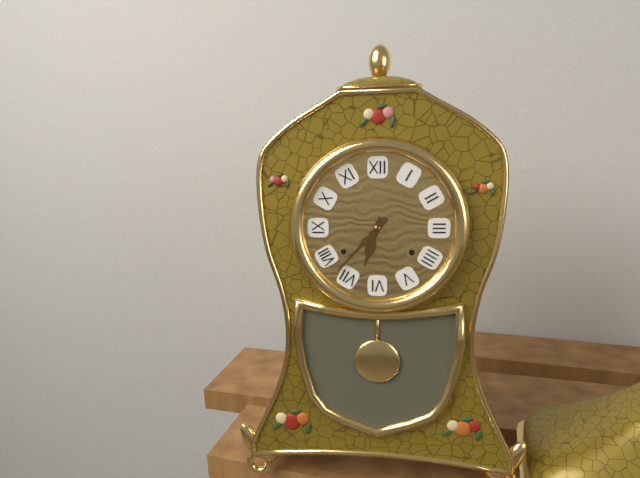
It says 6:37
